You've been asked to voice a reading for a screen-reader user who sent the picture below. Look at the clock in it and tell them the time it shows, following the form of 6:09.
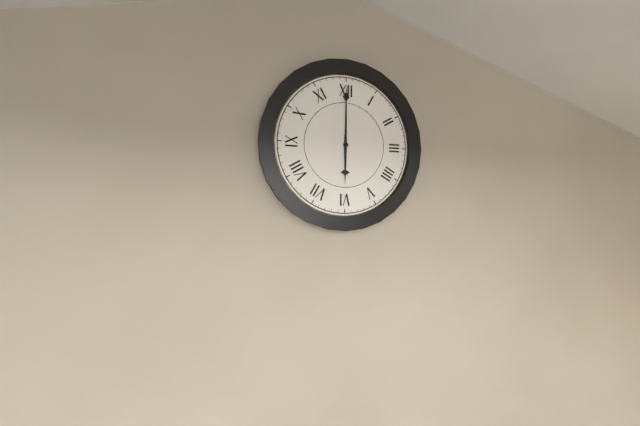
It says 6:00
